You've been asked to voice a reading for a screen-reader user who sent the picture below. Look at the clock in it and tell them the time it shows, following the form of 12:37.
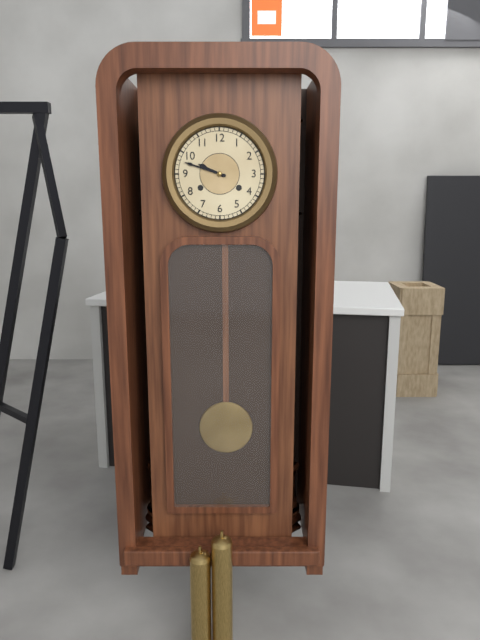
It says 9:48
